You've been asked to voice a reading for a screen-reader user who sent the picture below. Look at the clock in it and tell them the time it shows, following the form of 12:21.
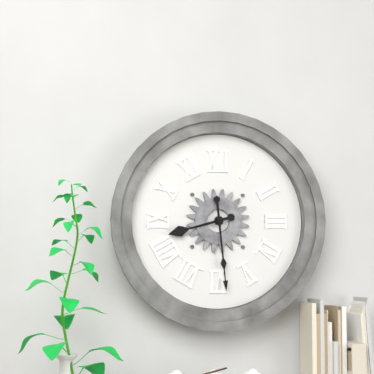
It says 8:29
